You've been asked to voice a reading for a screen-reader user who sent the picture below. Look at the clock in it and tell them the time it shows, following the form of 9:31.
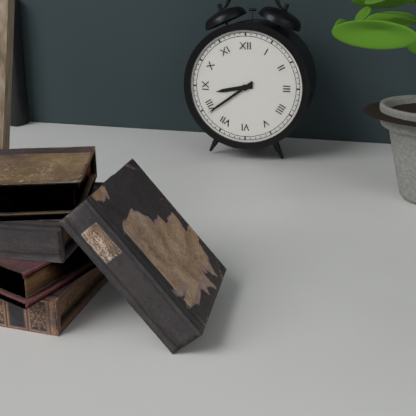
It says 8:39
